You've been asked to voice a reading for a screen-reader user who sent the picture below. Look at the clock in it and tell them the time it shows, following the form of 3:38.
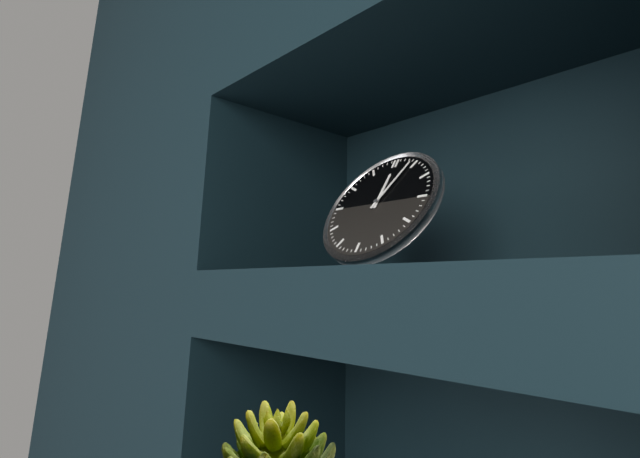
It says 12:04
